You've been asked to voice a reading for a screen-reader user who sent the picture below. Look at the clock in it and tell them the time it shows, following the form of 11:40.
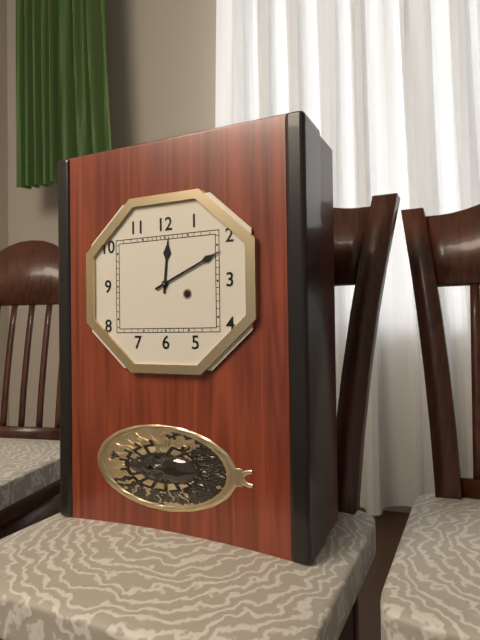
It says 12:11
